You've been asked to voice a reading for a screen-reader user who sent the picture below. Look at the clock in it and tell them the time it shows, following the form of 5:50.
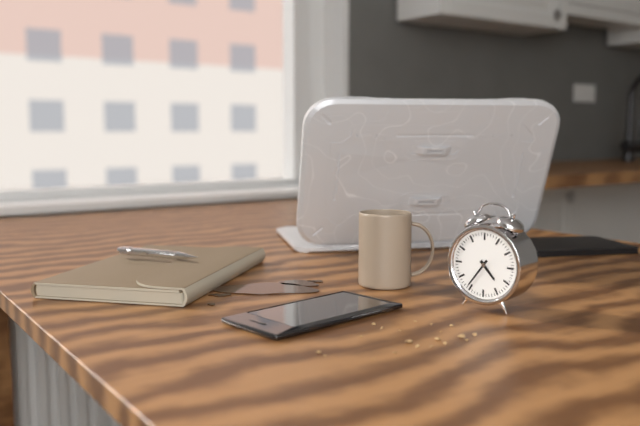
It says 4:36
